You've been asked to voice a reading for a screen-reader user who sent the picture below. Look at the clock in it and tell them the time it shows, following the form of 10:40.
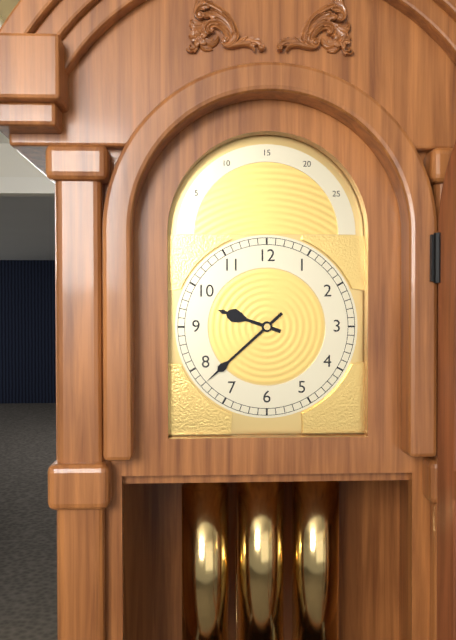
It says 9:38
